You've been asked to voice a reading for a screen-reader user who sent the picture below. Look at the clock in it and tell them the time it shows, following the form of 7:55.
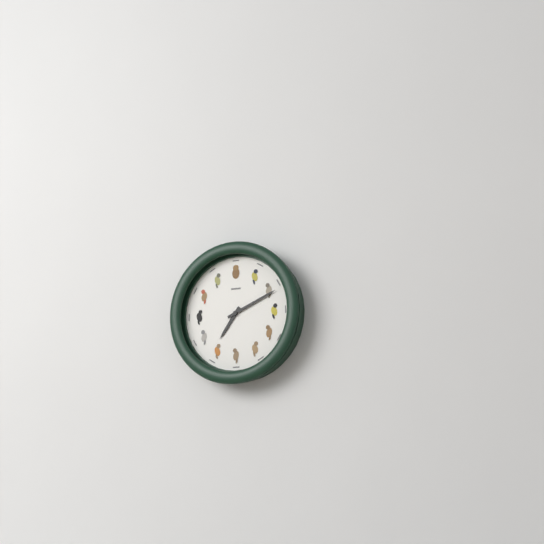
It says 7:11
